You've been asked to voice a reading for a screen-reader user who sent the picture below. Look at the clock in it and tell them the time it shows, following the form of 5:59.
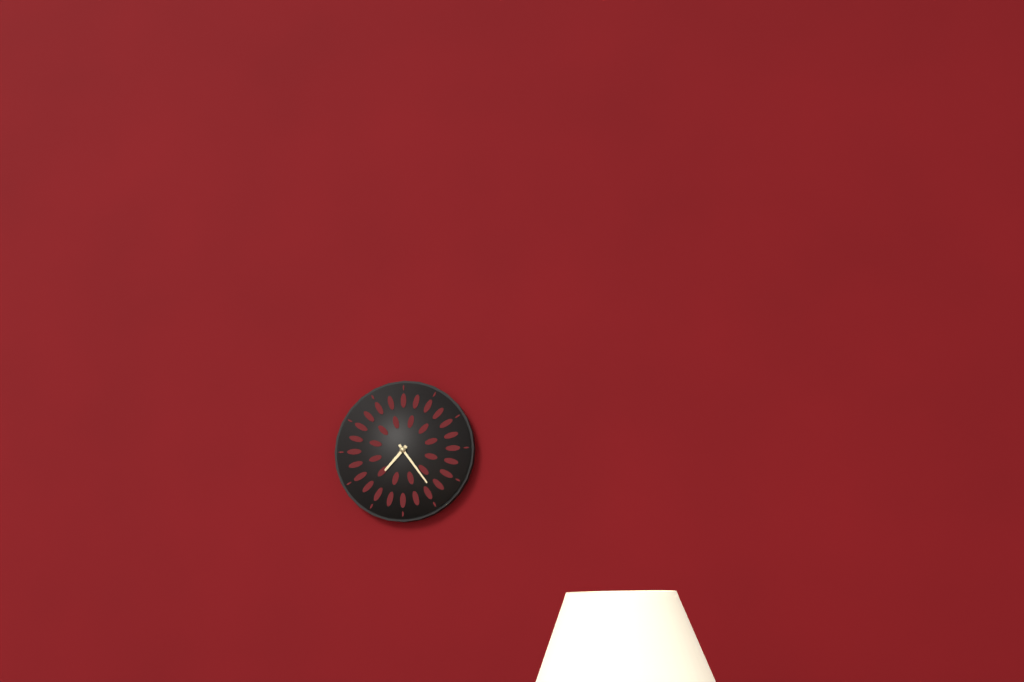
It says 7:24
